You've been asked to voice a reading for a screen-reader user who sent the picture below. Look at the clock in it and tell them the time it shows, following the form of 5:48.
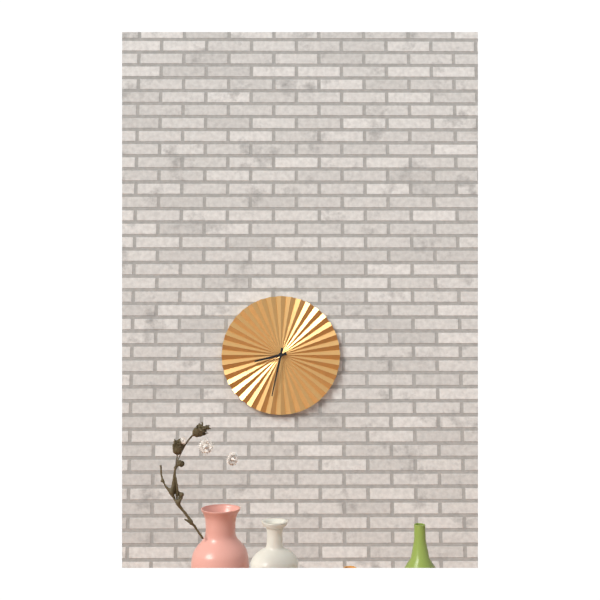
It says 8:32
